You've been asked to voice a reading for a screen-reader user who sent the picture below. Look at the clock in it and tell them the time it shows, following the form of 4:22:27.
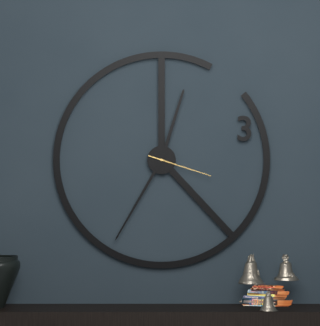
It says 12:35:18
